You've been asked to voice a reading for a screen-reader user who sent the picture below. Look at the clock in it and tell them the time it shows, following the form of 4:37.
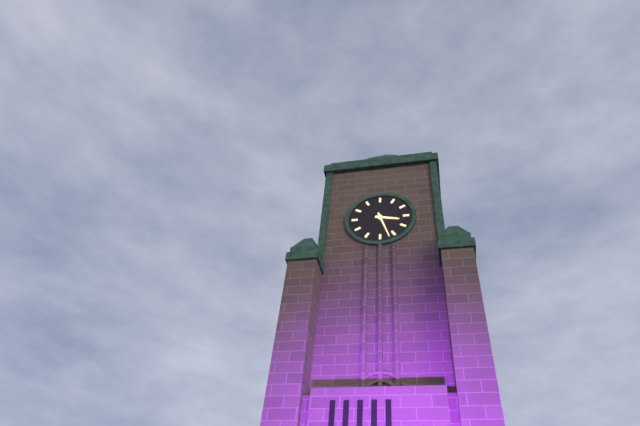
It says 3:27
